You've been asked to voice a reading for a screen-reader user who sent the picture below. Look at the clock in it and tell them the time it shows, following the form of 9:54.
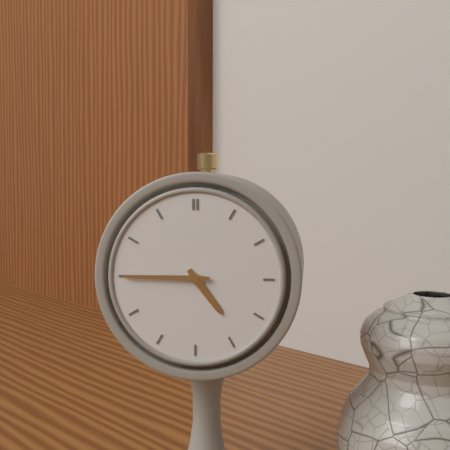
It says 4:45
